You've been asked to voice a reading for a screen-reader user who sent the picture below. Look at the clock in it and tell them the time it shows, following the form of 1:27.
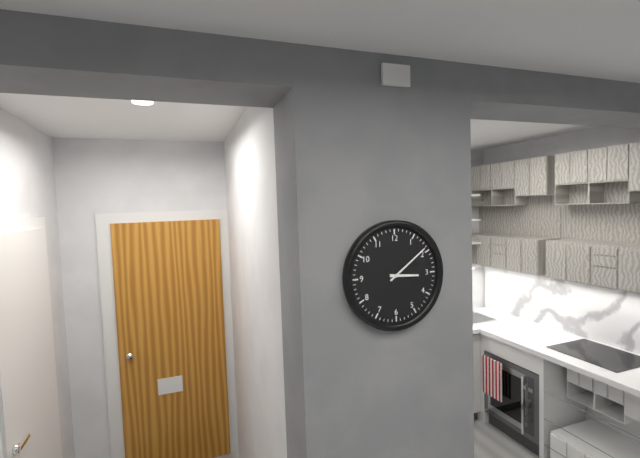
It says 3:09
